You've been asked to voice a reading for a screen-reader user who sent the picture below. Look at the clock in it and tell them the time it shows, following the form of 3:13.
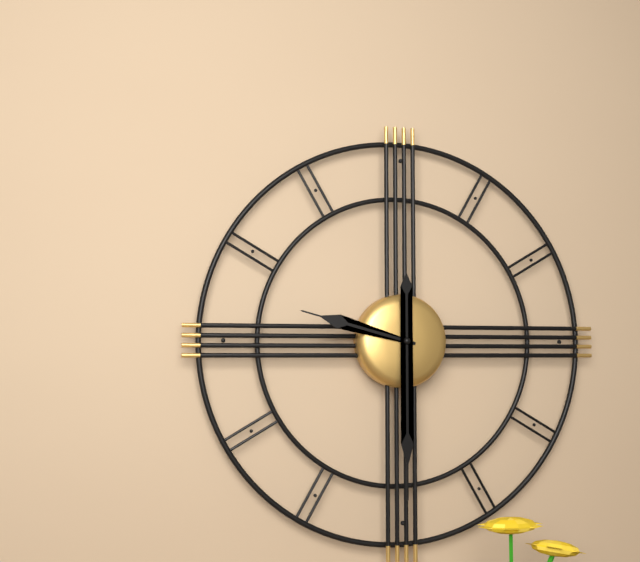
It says 9:30
